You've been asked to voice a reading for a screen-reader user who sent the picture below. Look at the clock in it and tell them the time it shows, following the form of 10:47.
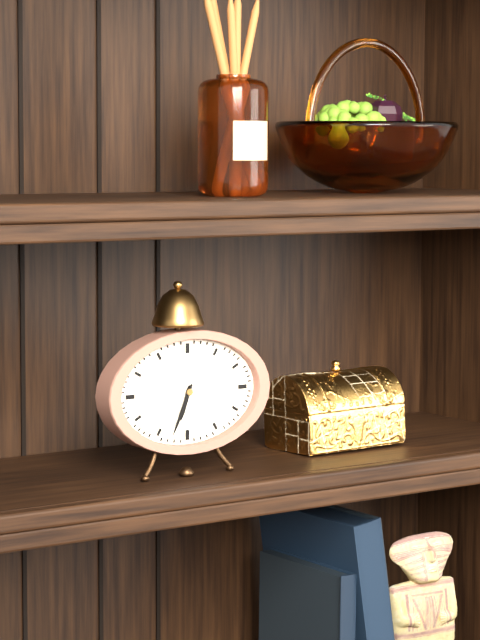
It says 6:34
